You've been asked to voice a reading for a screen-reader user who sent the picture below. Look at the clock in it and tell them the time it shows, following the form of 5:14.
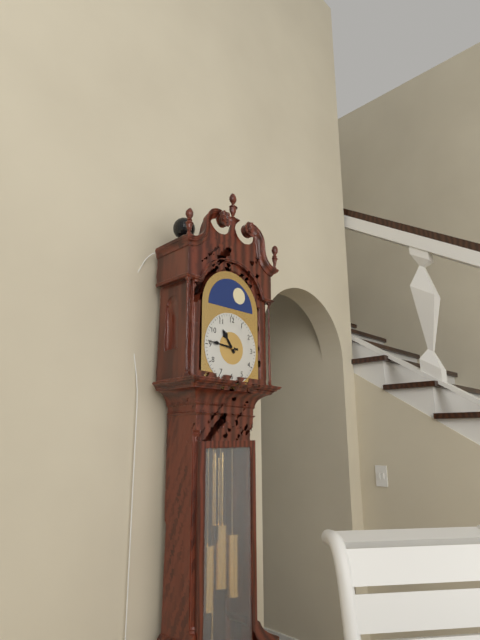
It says 10:46
